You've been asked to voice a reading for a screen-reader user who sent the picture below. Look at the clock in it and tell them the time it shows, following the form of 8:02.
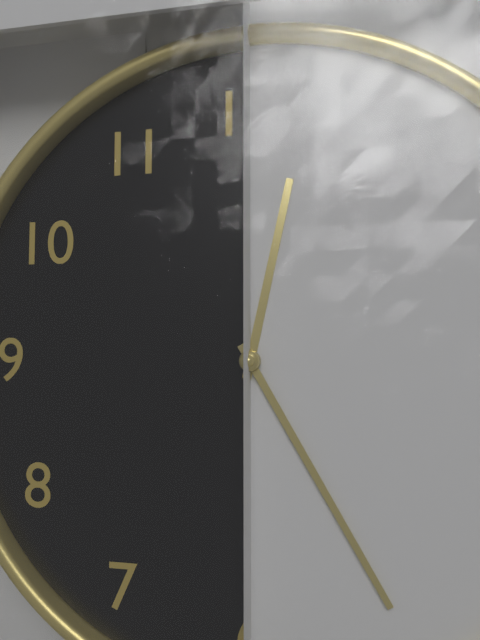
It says 12:25
